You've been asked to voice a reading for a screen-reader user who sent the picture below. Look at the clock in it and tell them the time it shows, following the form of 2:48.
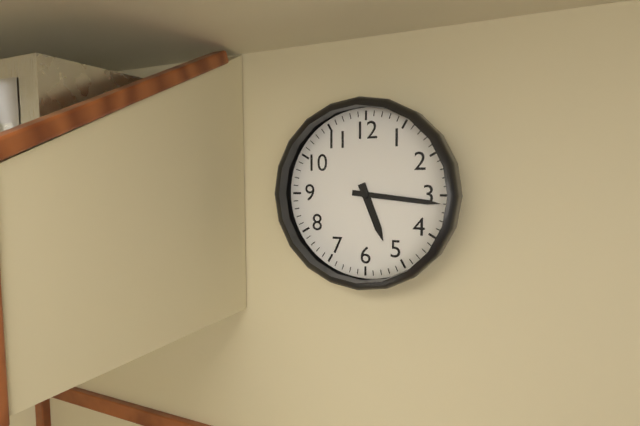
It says 5:16
